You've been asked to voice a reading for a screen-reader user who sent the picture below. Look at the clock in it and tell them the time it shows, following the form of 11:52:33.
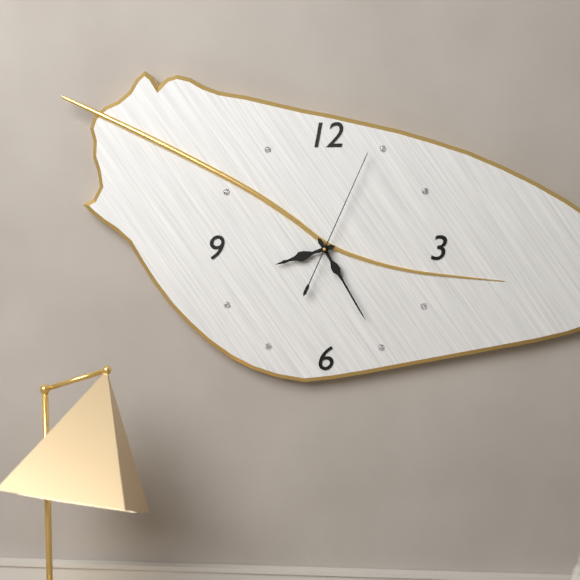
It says 8:25:04
